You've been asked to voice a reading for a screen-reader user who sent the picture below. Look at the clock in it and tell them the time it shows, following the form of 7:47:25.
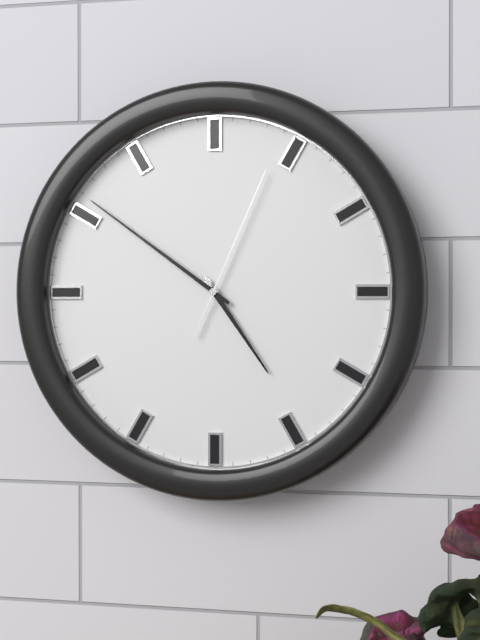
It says 4:51:04
